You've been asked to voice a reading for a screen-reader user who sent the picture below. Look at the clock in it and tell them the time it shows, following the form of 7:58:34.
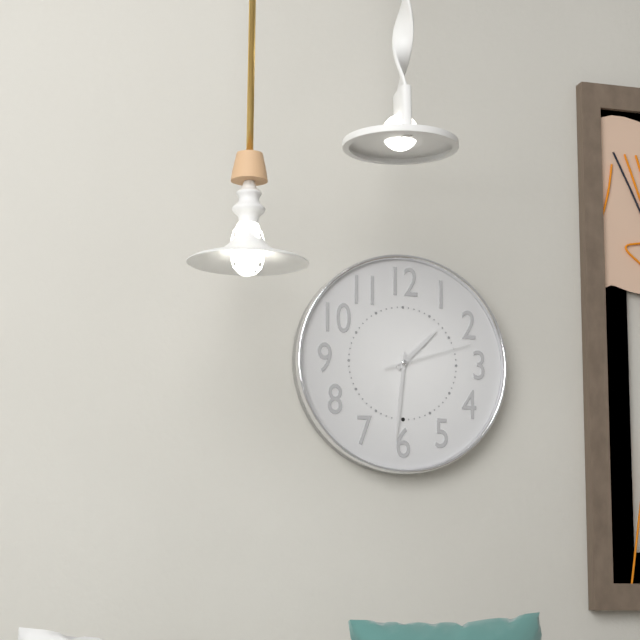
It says 1:31:12
